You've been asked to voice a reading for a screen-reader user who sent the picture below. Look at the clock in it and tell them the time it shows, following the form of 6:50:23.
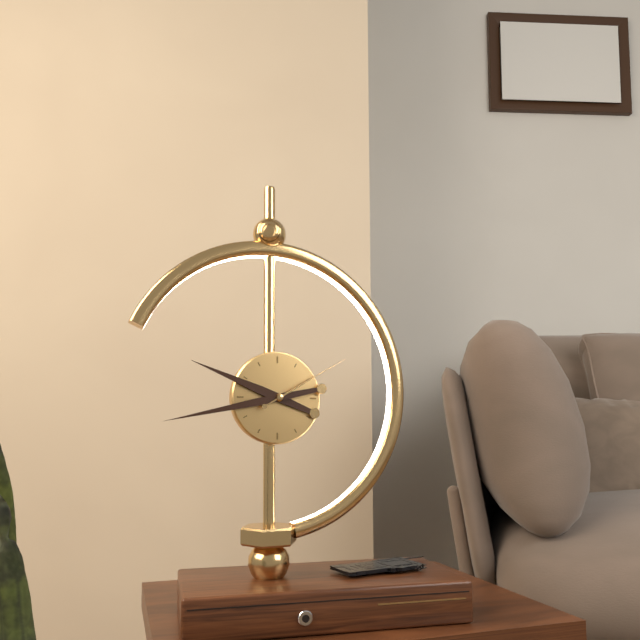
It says 9:43:10
